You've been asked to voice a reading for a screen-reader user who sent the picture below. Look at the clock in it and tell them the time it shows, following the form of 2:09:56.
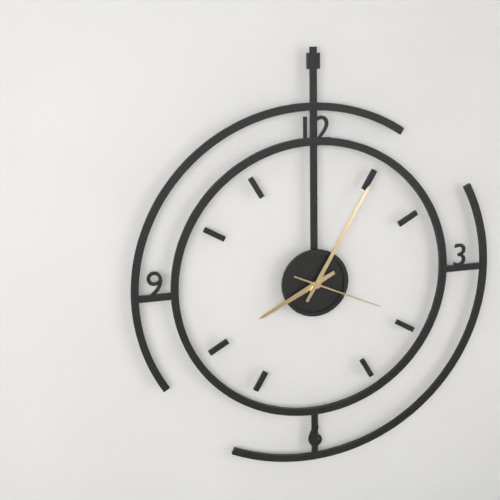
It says 8:05:19
